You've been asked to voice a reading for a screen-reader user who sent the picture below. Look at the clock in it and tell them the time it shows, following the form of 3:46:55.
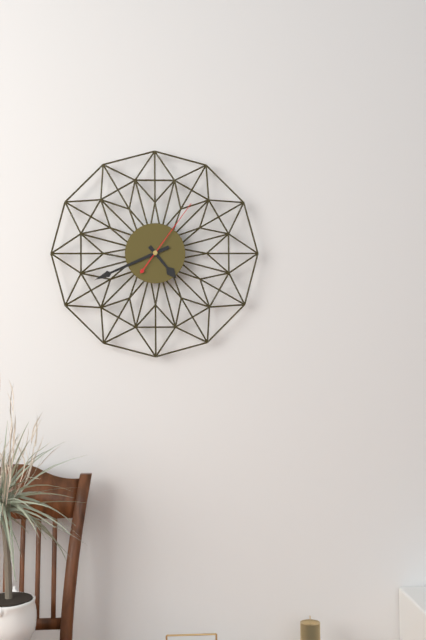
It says 4:41:06
